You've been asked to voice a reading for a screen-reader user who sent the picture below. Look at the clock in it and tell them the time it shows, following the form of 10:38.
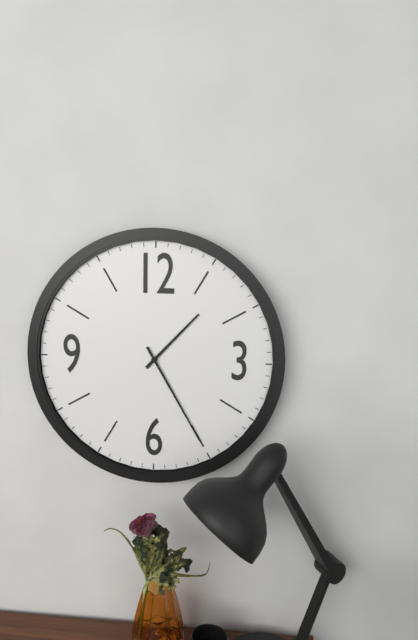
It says 1:25
